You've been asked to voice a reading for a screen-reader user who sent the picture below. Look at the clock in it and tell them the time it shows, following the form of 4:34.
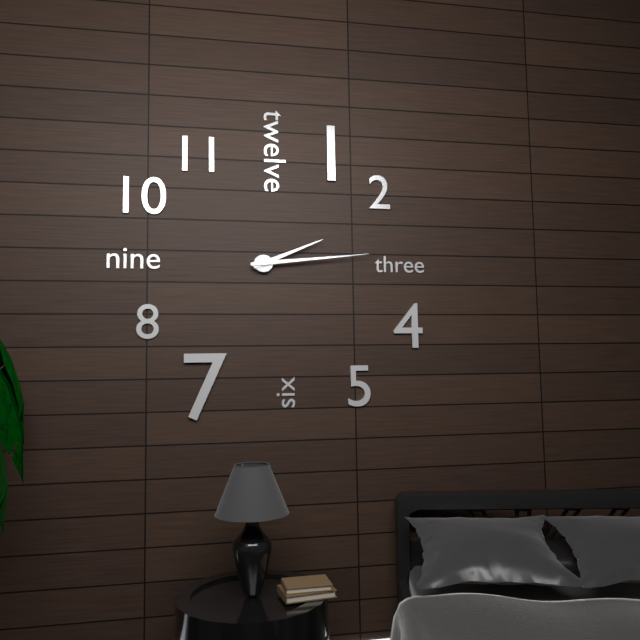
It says 2:14
